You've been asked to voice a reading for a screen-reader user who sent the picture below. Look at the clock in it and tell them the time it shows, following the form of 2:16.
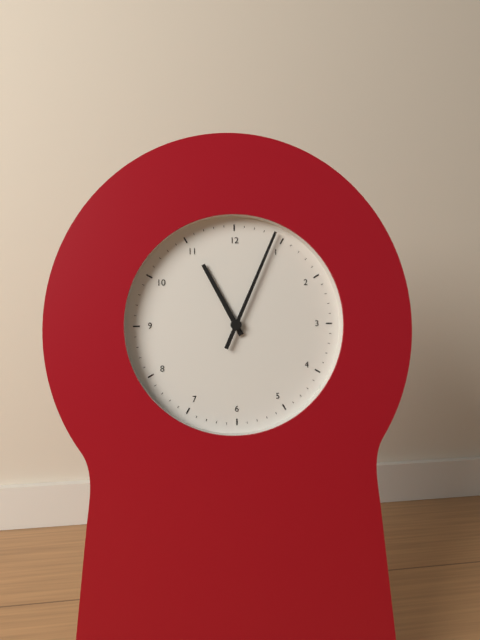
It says 11:04
